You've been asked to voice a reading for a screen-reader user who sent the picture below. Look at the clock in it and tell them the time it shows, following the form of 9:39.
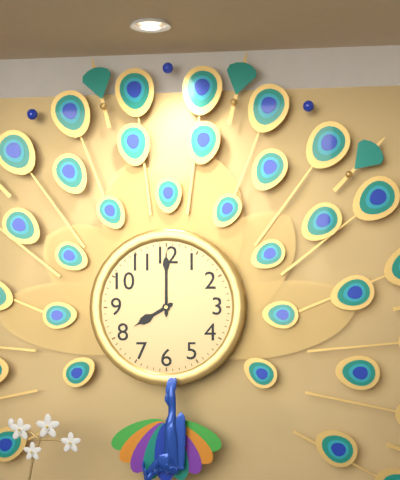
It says 8:00
